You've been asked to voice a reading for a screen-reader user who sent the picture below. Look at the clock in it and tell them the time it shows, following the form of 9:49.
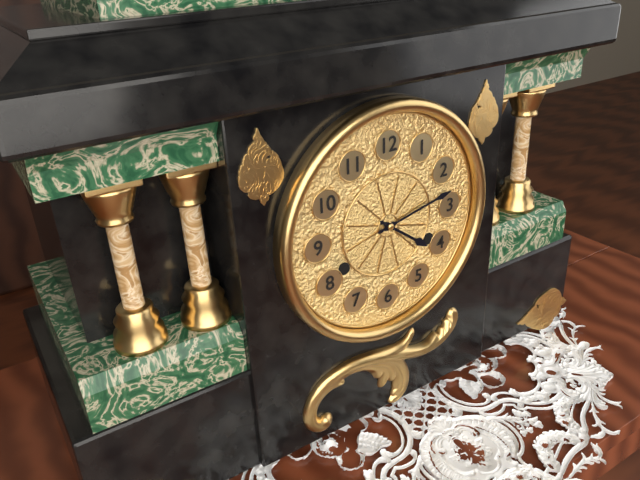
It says 4:13
